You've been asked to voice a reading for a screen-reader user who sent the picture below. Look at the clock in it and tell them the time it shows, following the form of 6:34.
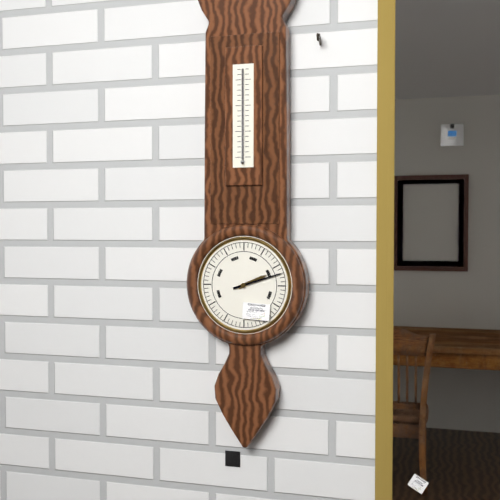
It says 2:12
